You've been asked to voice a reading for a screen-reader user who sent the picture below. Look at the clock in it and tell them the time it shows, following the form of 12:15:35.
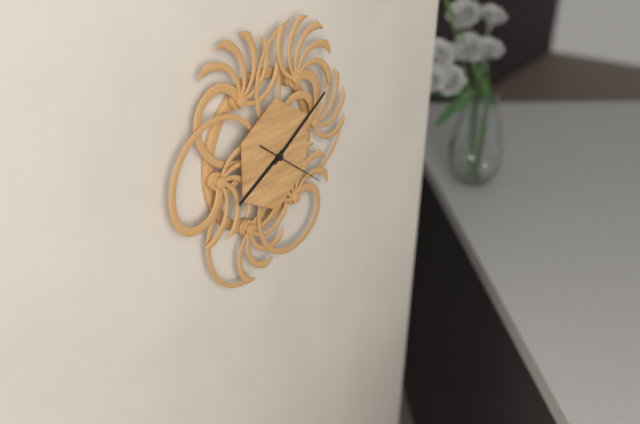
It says 8:10:21
